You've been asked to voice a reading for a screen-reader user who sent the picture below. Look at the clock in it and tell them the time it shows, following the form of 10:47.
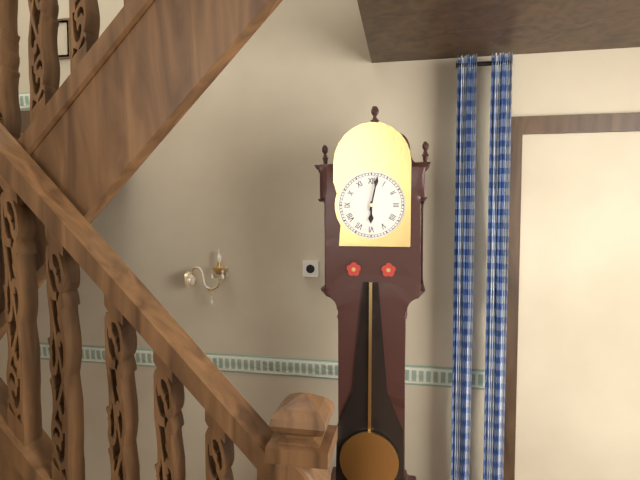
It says 6:02
